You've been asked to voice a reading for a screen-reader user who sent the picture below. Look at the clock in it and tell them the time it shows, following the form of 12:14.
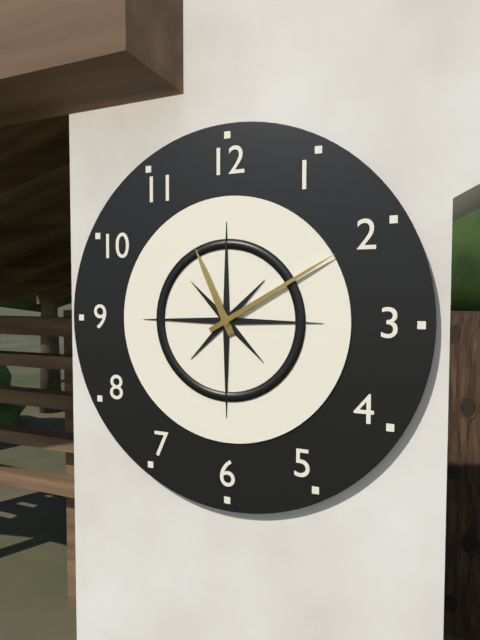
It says 11:10
